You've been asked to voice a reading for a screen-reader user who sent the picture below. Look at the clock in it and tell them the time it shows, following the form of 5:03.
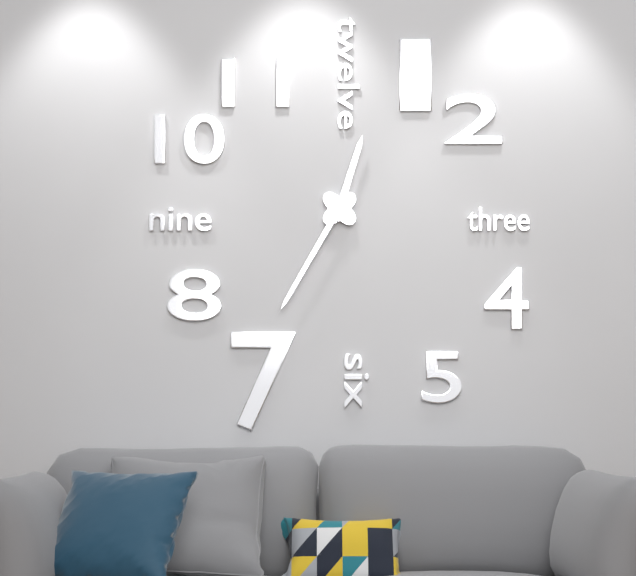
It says 12:35
